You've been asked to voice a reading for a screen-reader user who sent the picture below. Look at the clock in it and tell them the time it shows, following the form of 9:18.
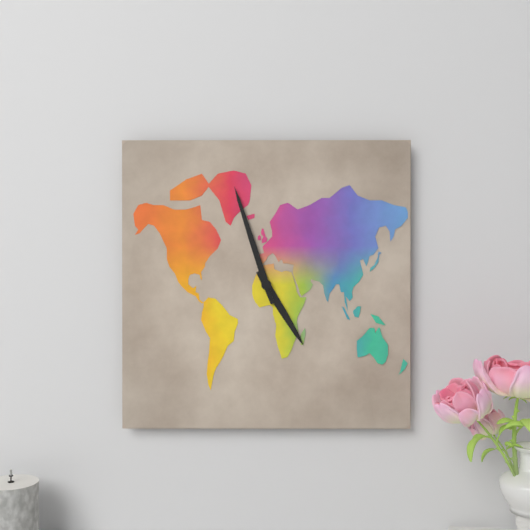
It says 4:57
